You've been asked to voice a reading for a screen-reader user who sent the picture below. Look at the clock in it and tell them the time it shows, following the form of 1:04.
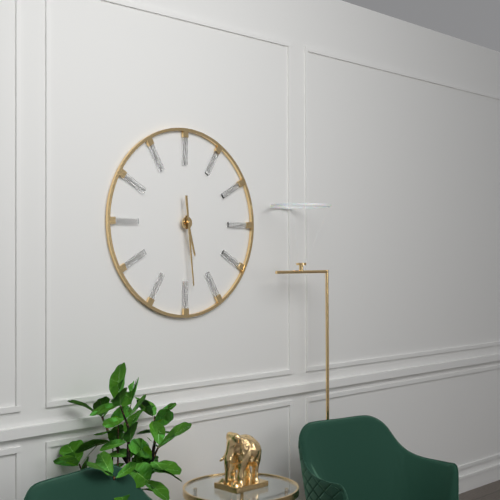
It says 5:29
